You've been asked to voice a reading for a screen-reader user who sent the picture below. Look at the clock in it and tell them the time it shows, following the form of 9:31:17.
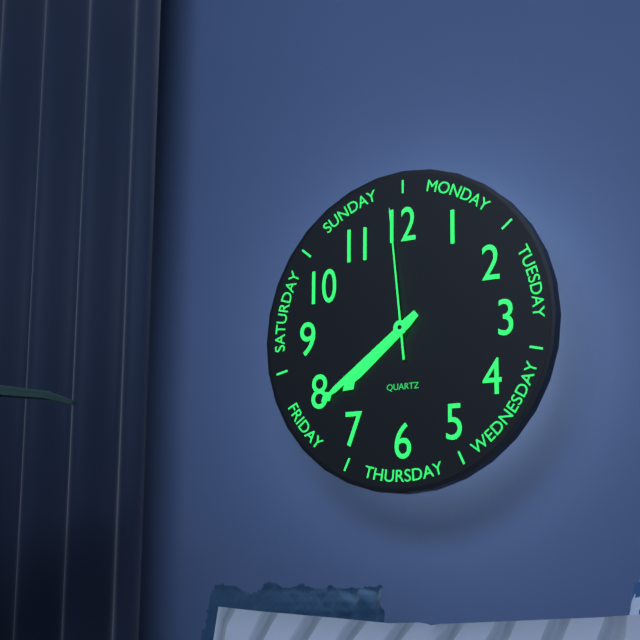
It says 7:39:59
